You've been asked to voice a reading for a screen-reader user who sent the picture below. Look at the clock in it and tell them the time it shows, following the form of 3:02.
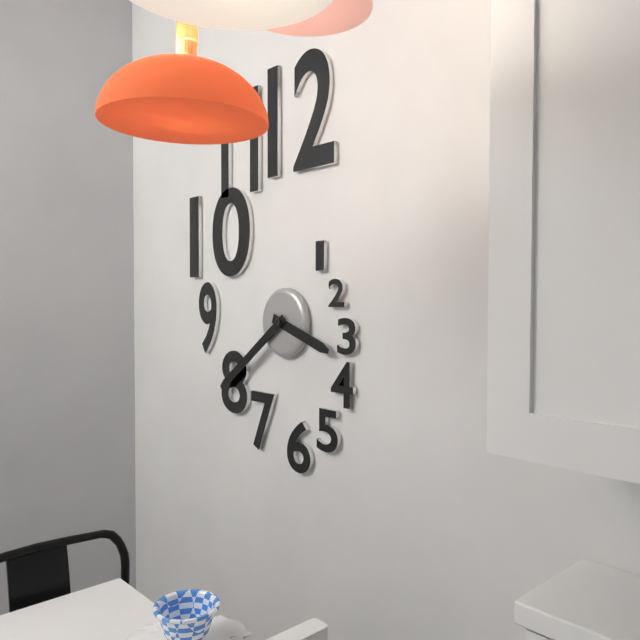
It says 3:39
